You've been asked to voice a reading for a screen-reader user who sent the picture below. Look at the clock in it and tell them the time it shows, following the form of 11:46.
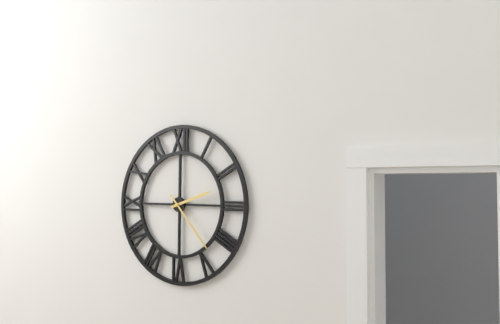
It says 2:23
